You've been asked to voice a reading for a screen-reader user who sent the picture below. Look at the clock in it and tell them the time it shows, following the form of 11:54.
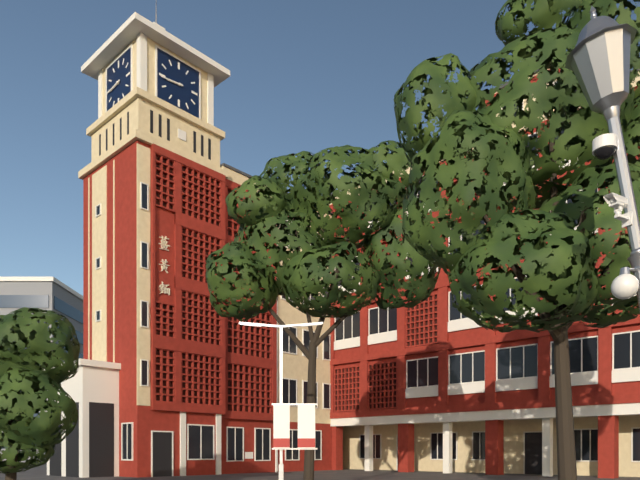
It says 8:44
